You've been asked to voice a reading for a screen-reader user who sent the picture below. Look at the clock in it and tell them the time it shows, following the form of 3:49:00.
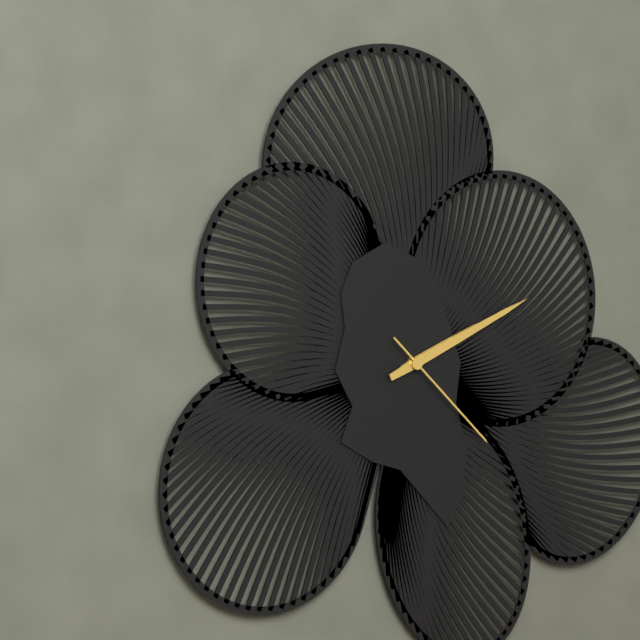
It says 2:11:22
